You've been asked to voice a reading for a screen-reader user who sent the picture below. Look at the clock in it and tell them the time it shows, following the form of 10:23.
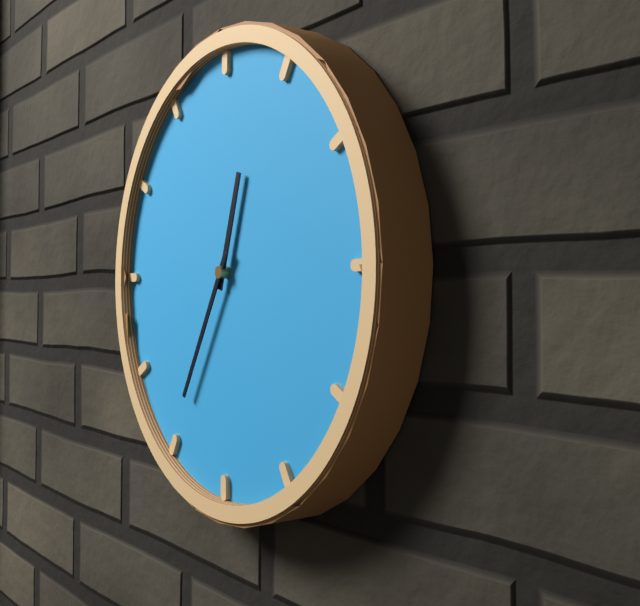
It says 12:35
